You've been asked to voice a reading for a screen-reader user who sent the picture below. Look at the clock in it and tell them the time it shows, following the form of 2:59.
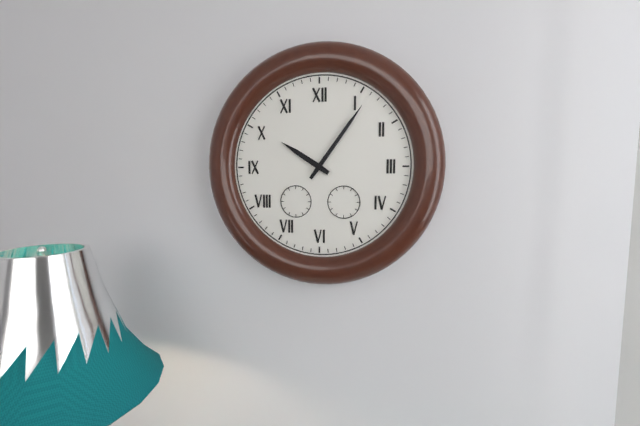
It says 10:06
